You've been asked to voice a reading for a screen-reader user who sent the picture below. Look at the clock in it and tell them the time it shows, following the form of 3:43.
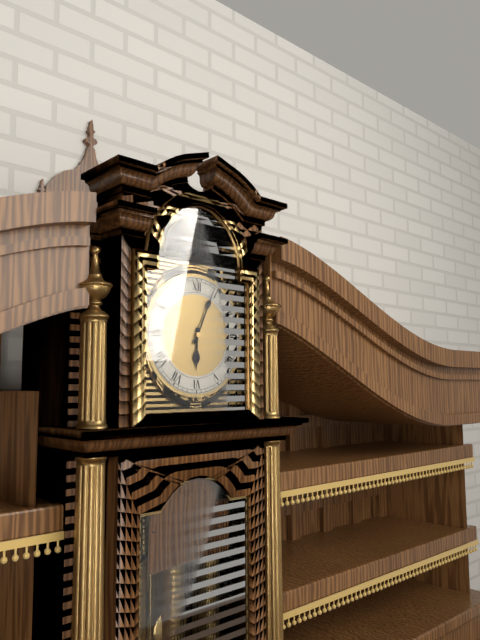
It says 6:04
